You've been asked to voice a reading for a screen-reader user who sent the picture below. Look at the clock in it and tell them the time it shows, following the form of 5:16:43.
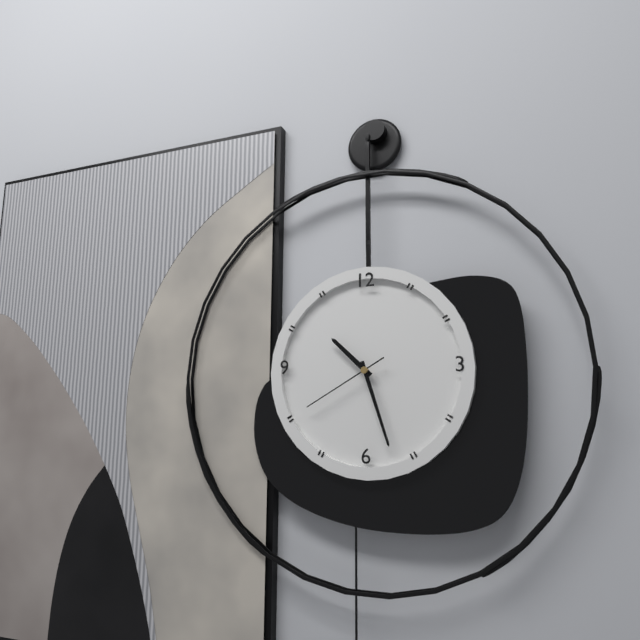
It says 10:27:40
